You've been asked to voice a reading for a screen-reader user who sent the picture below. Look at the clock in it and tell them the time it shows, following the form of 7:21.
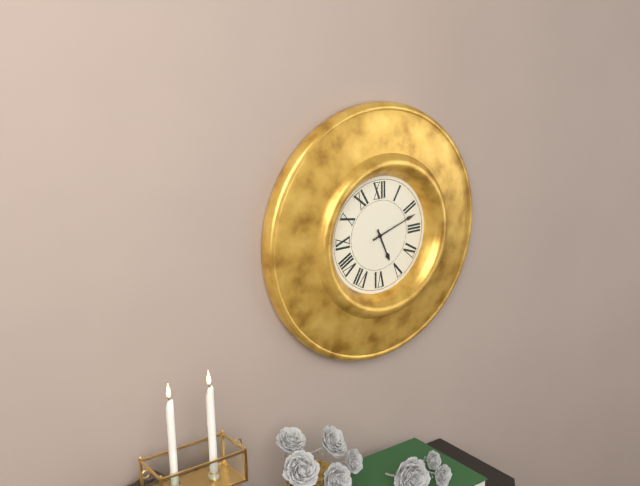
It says 5:12
